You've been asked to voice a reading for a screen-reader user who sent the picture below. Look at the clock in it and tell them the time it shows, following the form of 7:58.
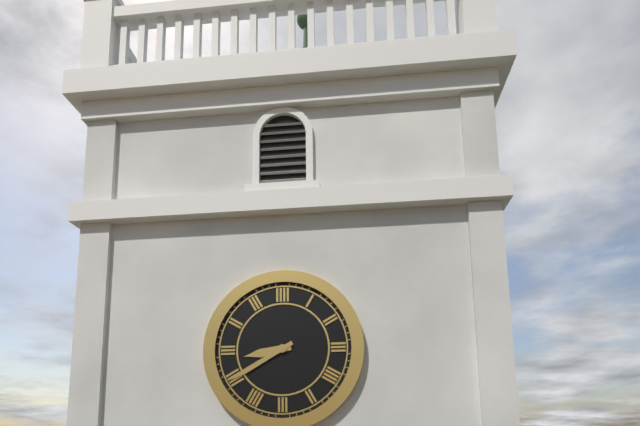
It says 8:40
